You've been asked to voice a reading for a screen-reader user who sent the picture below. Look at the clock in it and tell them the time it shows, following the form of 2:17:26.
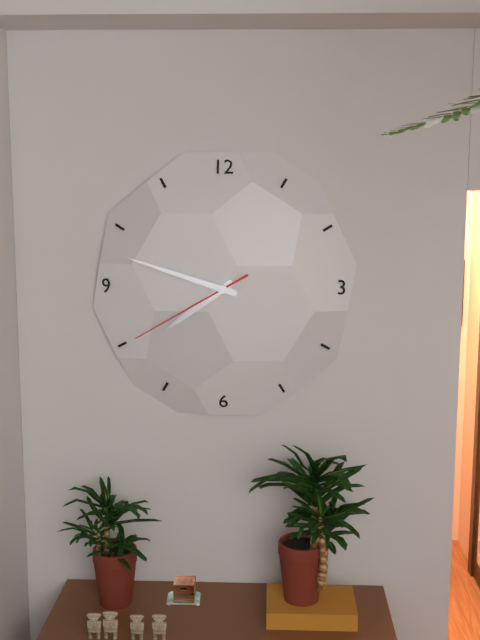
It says 7:48:40
